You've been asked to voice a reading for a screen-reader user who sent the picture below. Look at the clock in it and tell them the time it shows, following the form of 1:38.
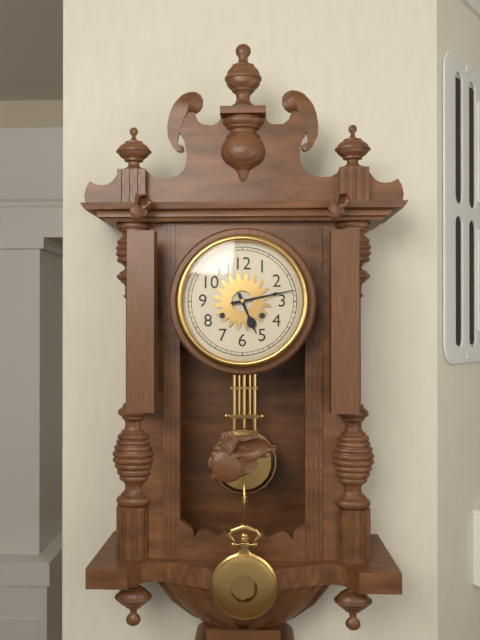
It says 5:13
